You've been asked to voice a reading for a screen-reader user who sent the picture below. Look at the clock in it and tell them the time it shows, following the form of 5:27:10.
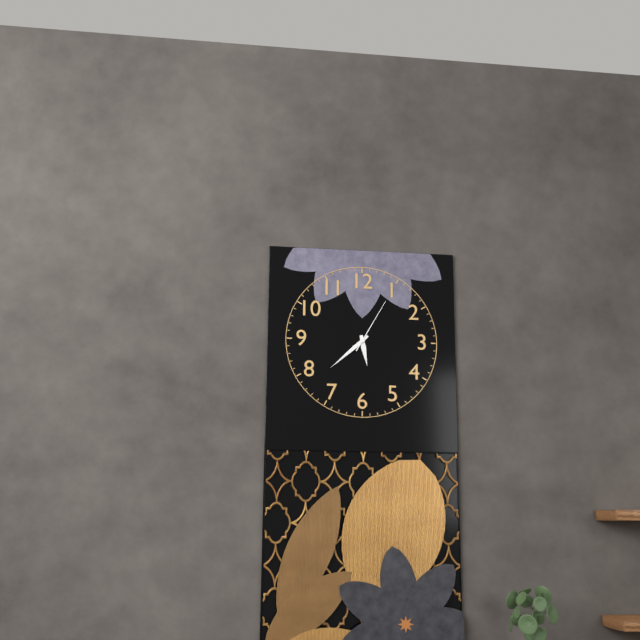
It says 5:38:05
